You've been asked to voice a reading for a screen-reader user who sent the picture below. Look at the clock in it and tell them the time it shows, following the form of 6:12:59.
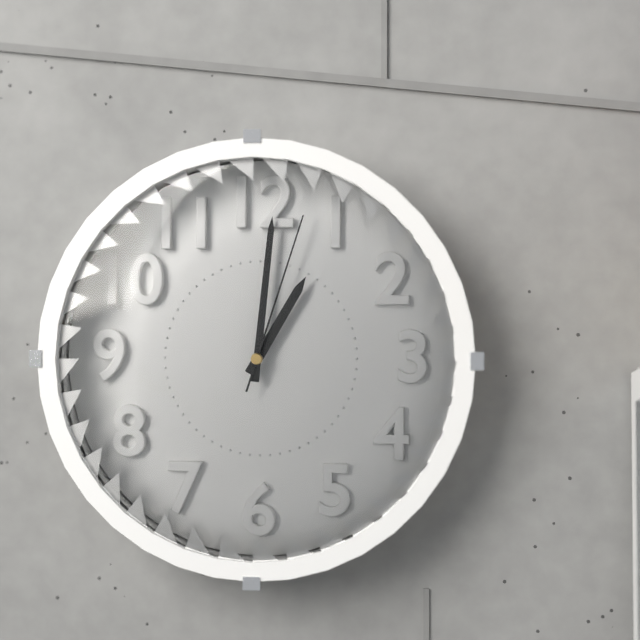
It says 1:01:03
